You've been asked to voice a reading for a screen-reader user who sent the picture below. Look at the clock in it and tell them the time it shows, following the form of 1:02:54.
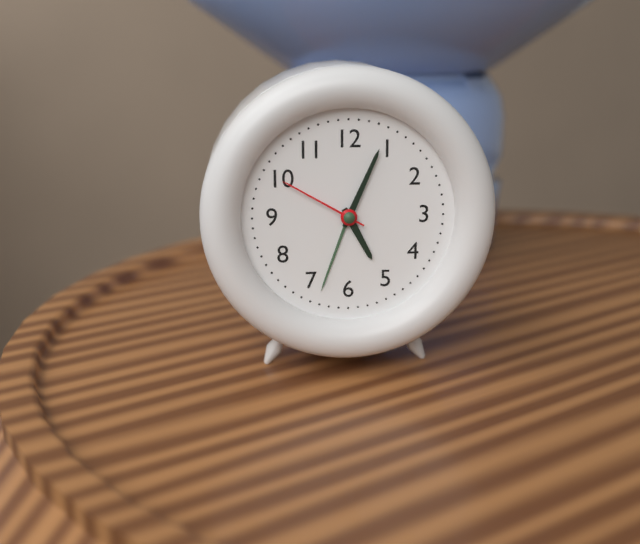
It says 5:04:50
